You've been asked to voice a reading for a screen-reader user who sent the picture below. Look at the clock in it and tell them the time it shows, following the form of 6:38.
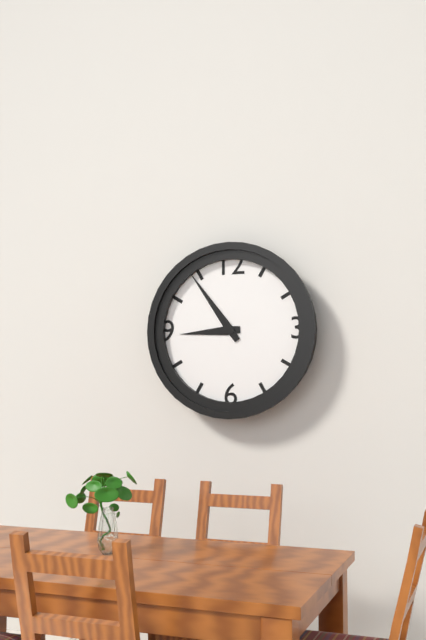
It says 8:54
